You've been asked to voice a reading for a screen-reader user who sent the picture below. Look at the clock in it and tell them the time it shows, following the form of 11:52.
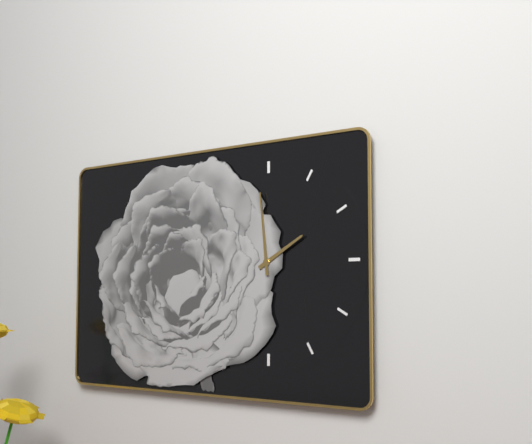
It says 1:59
